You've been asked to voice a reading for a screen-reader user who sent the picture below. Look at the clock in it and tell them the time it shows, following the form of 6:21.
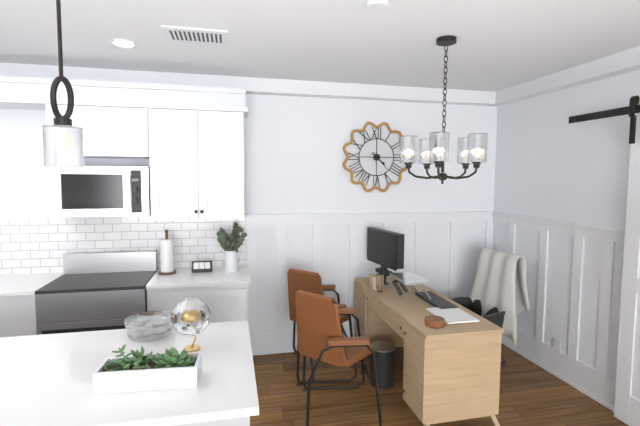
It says 4:23
